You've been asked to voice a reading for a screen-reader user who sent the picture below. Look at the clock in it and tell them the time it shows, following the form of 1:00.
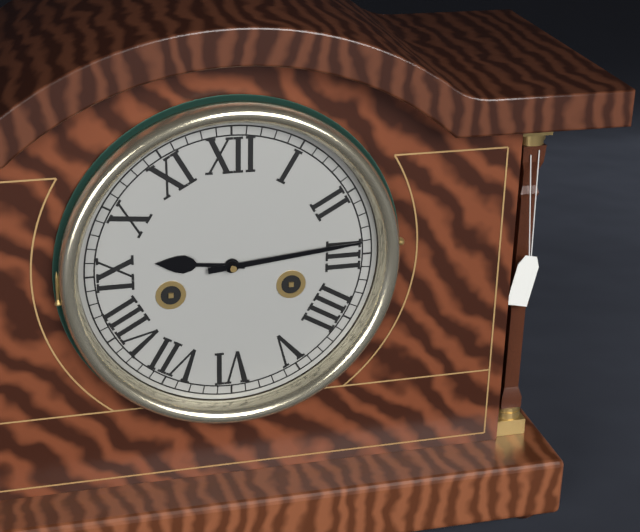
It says 9:14
